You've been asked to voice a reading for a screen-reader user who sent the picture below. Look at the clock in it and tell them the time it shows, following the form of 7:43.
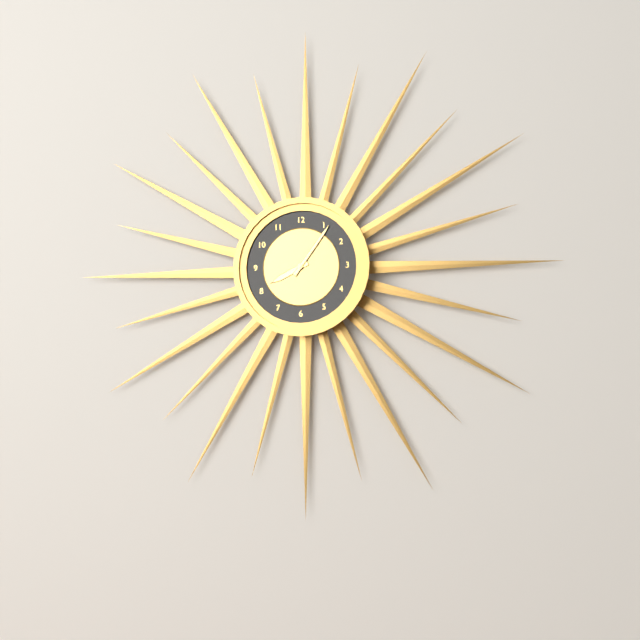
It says 8:06
